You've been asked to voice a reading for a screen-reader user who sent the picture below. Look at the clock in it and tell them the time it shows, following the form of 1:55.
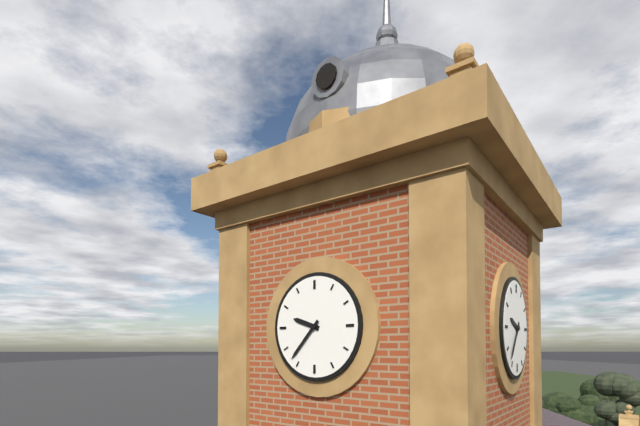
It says 9:37
